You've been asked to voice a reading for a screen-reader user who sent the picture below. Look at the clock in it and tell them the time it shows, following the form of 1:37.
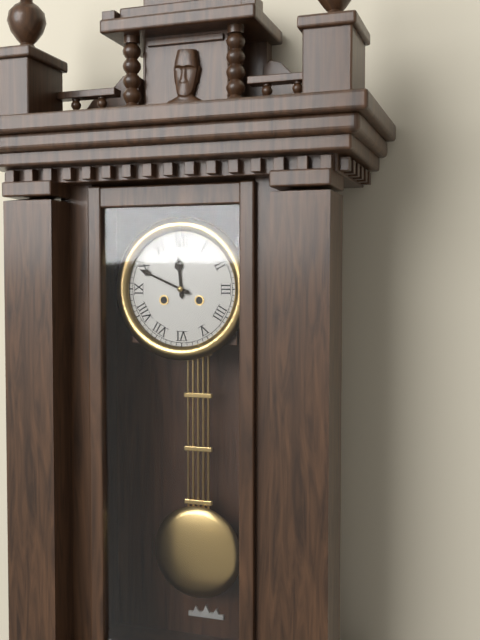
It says 11:49
